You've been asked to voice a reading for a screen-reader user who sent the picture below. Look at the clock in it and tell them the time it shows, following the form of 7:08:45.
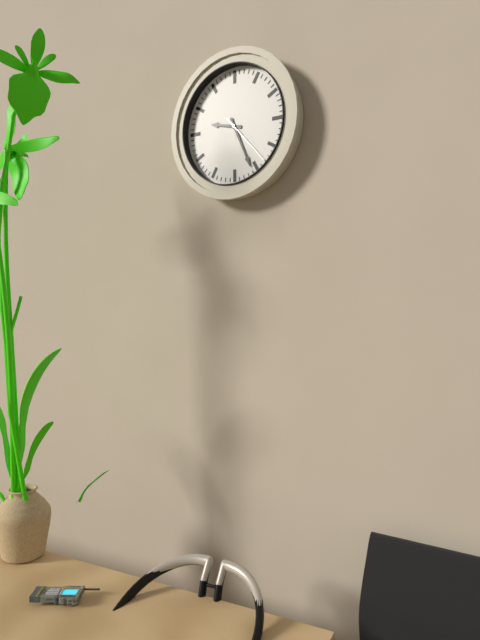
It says 9:26:23
